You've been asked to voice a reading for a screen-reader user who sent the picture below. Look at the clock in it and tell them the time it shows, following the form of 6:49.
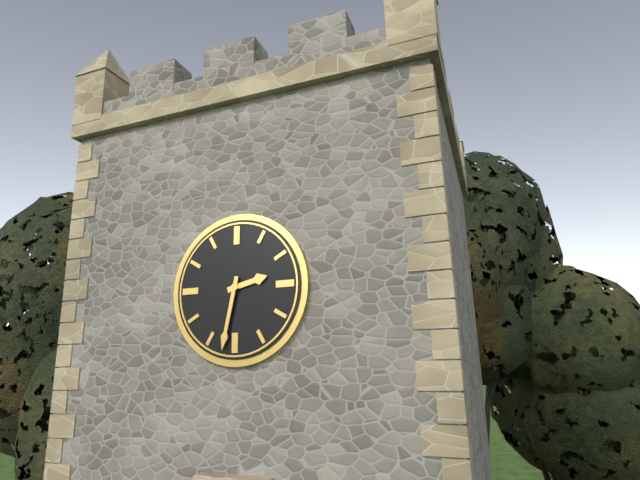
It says 2:32
